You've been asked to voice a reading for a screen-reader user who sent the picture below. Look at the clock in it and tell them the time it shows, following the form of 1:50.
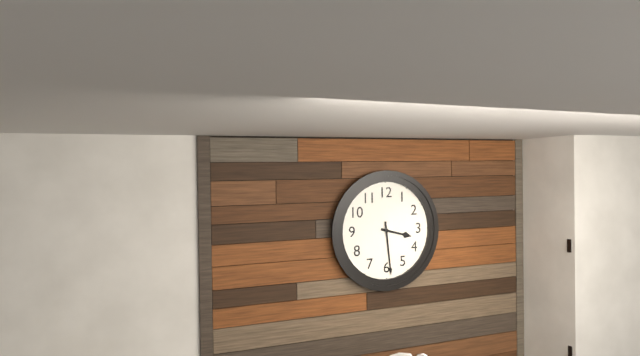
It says 3:29
